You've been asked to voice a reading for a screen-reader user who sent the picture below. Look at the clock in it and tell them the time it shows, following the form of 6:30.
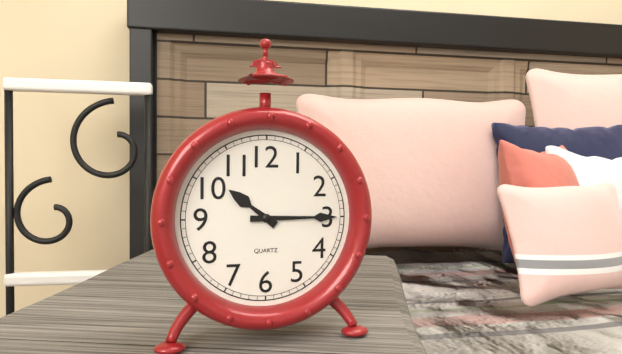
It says 10:15
